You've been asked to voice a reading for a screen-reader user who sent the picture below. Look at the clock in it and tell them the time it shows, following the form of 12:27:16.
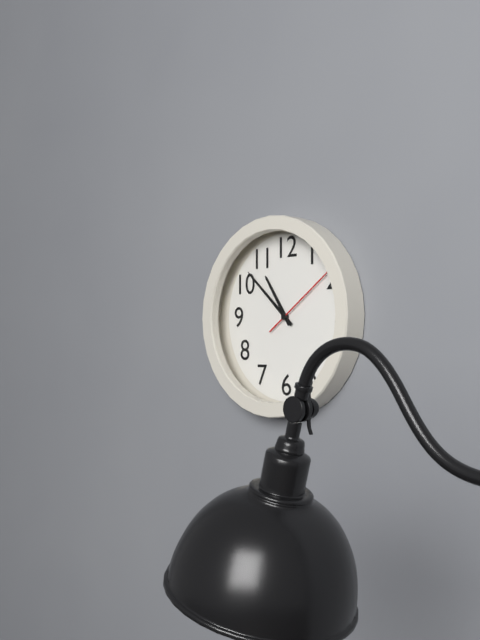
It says 10:52:09
